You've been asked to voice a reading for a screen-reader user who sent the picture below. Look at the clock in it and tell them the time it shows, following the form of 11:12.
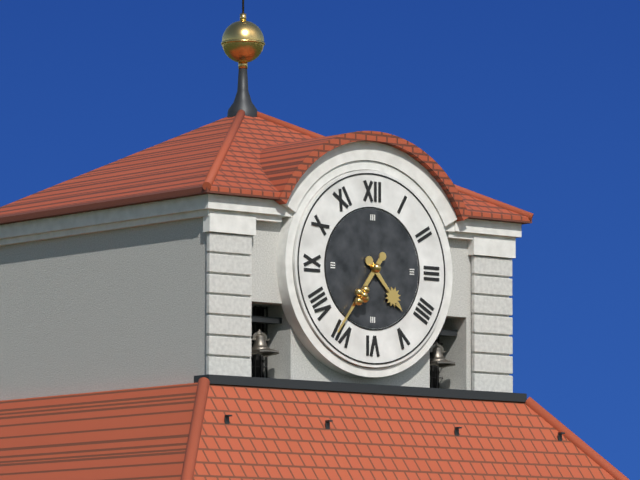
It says 4:36
